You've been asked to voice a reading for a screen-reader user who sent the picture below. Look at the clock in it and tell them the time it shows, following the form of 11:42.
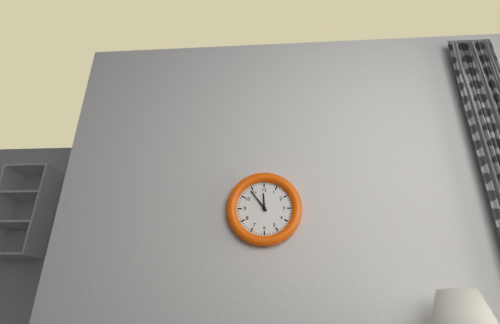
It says 11:54
